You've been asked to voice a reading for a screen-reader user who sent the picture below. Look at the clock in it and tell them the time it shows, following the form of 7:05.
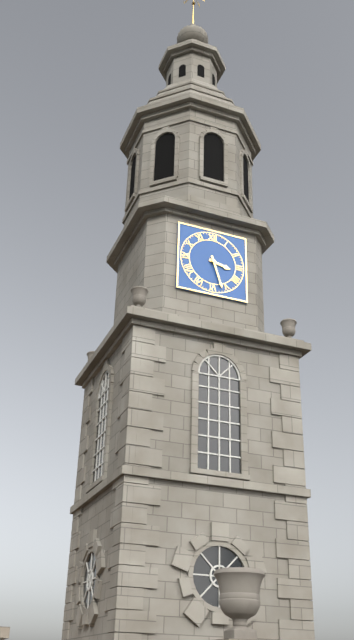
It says 3:27
